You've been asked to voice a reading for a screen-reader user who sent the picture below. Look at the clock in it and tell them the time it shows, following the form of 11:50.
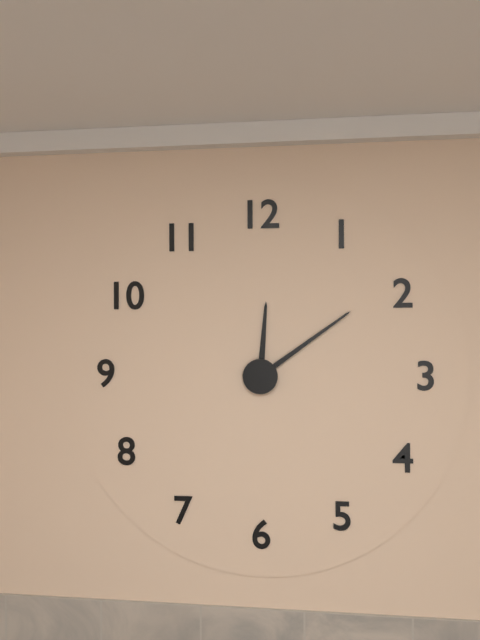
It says 12:09
